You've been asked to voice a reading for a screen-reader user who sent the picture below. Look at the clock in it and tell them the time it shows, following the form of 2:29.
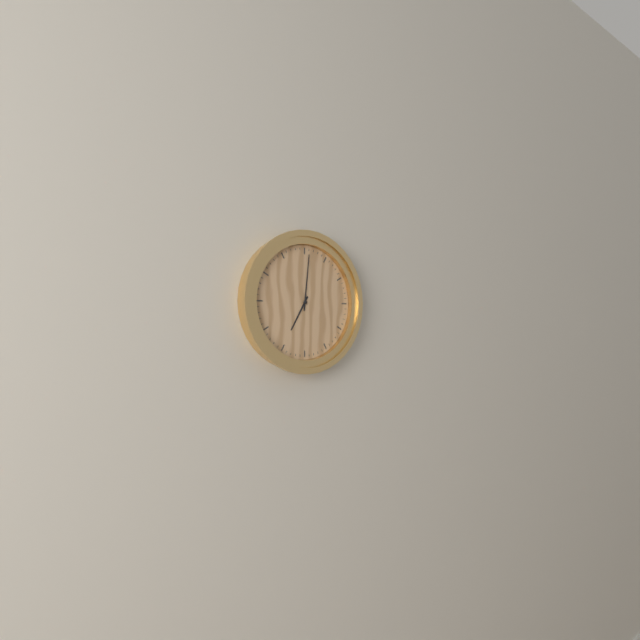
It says 7:01
